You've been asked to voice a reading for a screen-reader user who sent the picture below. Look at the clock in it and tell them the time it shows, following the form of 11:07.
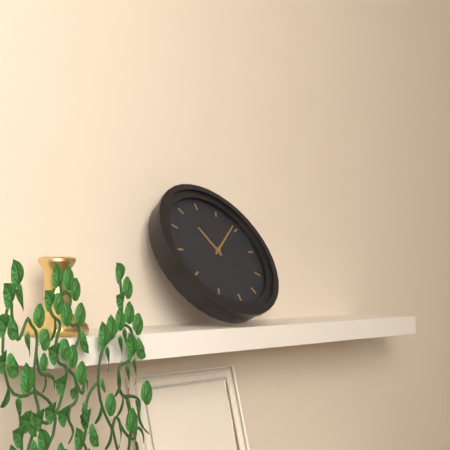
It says 11:09
